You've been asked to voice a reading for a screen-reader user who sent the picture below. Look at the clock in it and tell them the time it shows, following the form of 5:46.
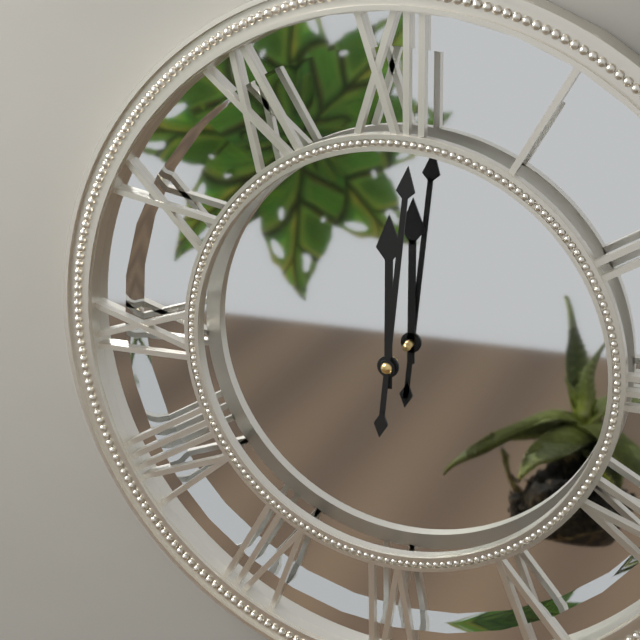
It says 12:01
